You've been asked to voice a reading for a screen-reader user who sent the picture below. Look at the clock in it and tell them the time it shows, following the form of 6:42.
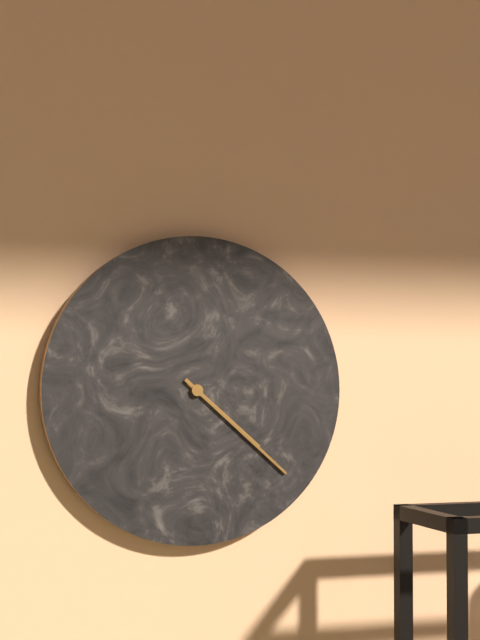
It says 4:22
